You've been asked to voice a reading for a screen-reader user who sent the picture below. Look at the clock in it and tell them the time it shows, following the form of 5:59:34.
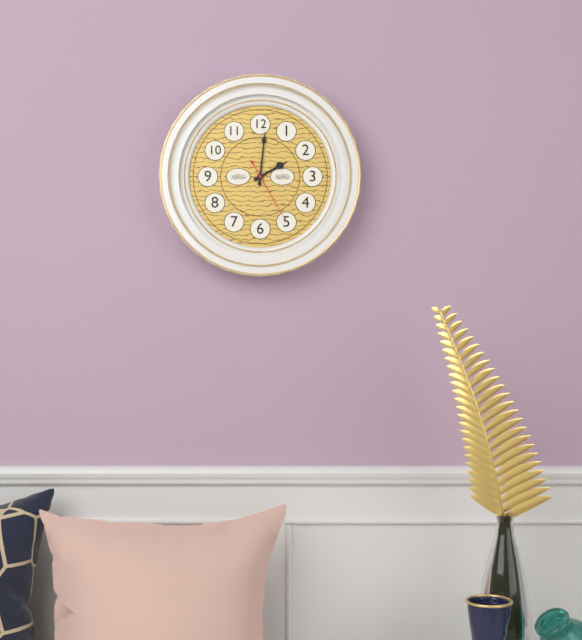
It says 2:01:25
